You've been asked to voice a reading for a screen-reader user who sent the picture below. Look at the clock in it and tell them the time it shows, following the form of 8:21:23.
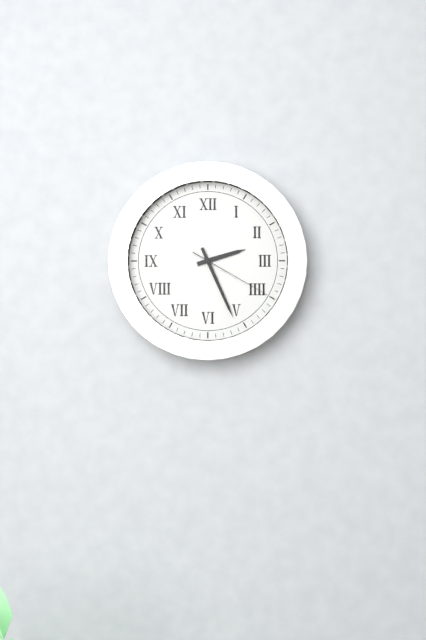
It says 2:26:20
